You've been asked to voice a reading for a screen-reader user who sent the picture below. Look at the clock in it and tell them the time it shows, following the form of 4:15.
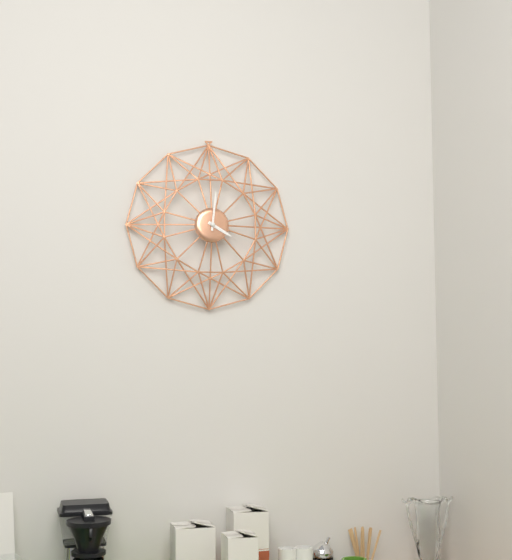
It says 4:01
